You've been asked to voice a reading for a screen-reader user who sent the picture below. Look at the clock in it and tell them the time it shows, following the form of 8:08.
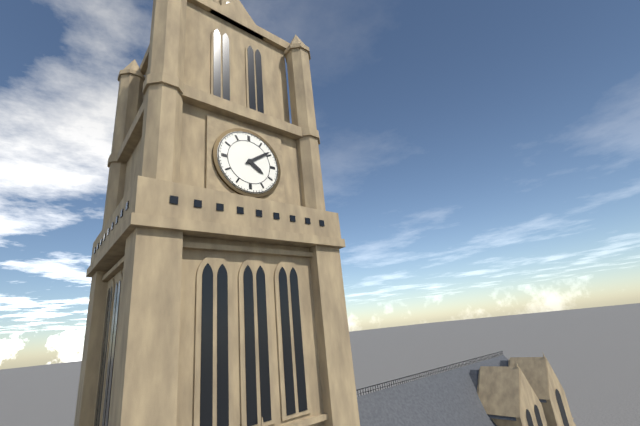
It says 4:09
